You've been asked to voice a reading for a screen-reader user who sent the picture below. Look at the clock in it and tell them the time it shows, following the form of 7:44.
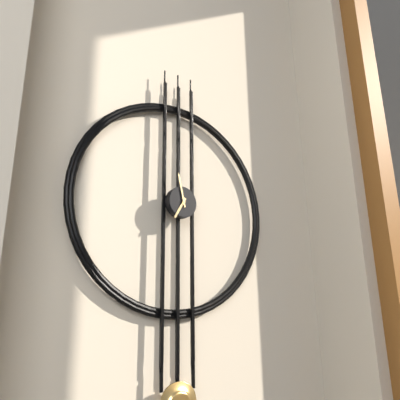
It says 6:58
